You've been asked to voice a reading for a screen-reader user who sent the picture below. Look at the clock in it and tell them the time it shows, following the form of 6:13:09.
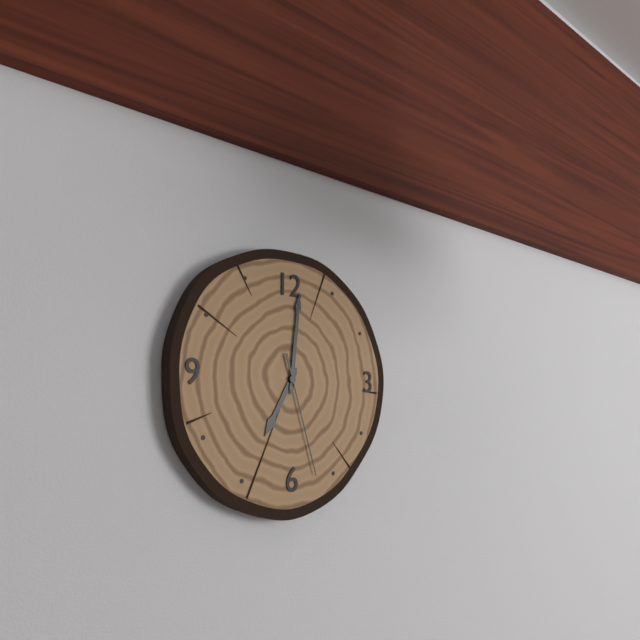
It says 7:01:27
